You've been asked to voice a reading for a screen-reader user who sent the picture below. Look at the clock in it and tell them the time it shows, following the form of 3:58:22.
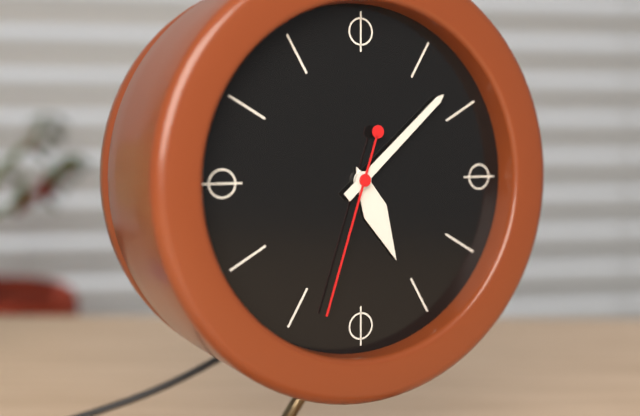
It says 5:08:33
